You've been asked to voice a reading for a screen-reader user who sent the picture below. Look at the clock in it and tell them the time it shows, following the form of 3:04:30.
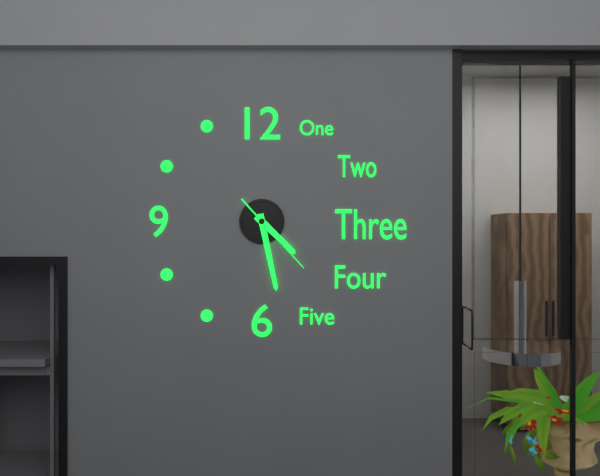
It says 4:28:23
